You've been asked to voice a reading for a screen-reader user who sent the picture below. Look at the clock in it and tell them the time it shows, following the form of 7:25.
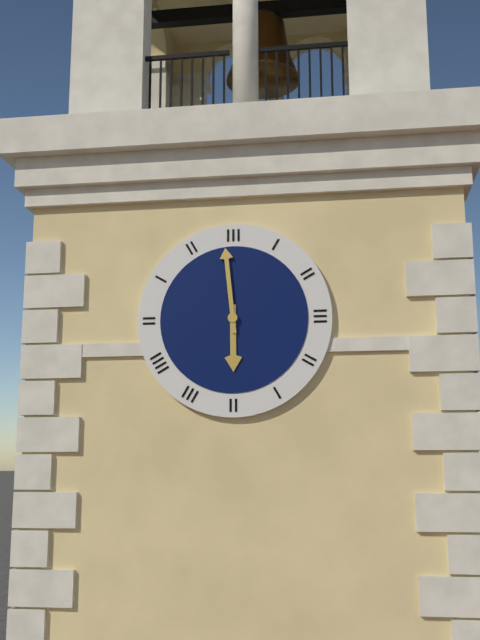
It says 5:59
